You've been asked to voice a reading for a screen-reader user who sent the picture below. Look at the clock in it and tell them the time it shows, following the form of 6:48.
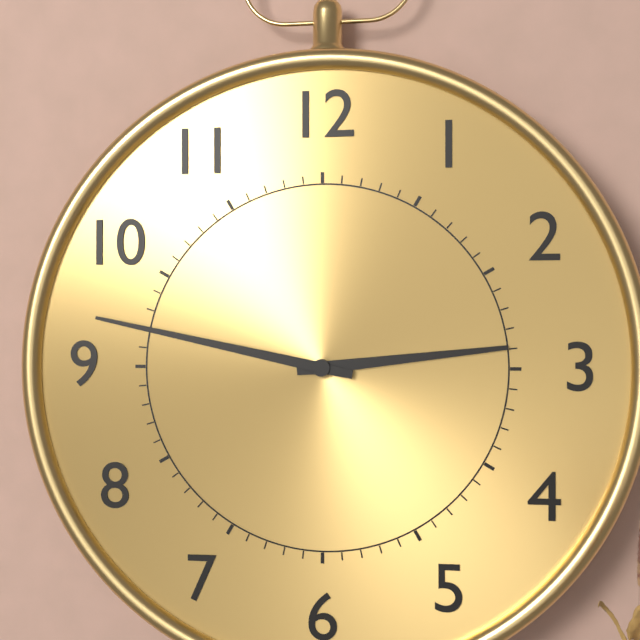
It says 2:47
